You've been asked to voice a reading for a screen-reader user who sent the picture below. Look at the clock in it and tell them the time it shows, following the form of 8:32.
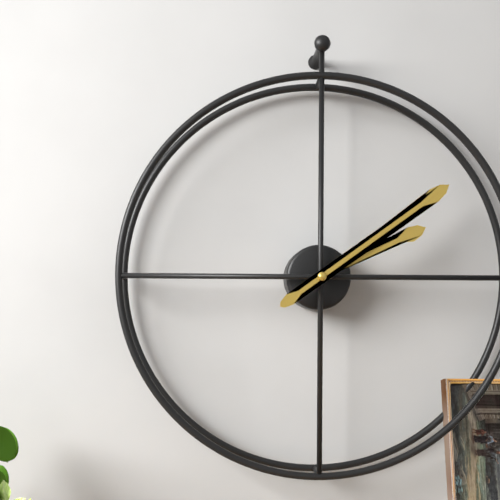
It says 2:09
